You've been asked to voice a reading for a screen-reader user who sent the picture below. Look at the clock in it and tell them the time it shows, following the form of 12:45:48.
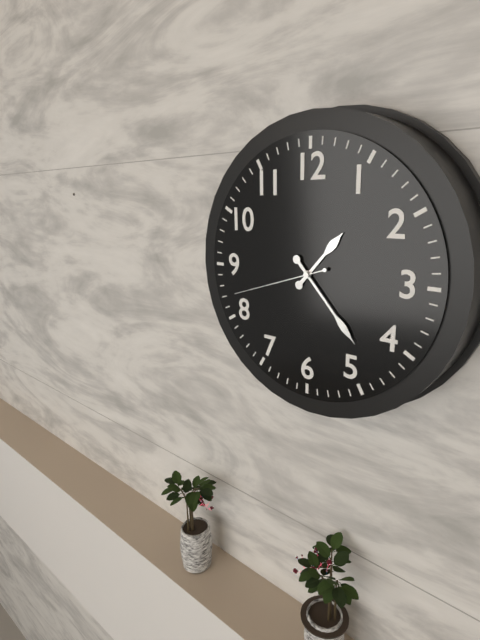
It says 1:23:42
